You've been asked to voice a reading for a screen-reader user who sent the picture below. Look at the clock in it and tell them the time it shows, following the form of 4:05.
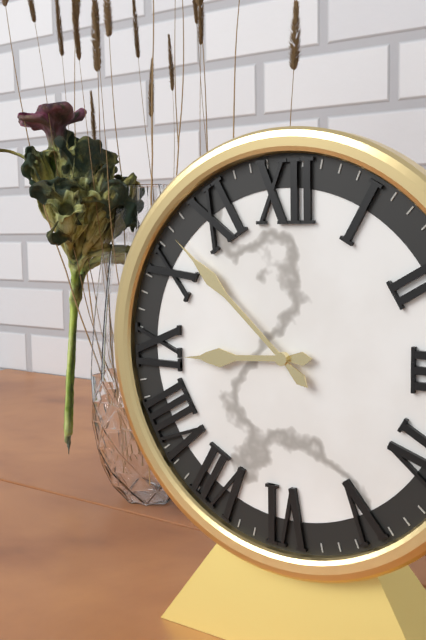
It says 8:52
